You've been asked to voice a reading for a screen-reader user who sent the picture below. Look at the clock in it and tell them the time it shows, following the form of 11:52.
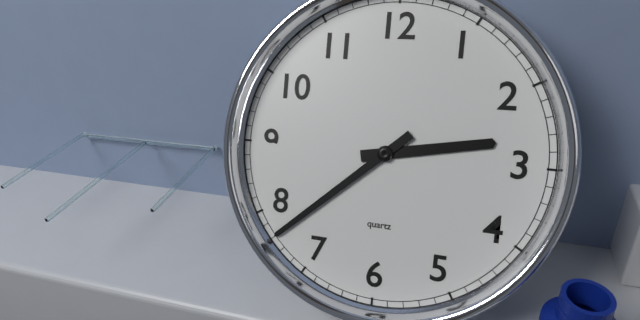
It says 2:38
